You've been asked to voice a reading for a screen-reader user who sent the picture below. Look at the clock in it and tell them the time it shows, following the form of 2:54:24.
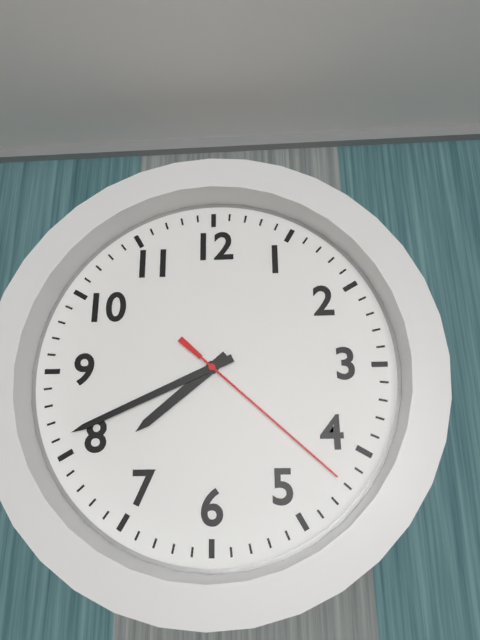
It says 7:41:22
